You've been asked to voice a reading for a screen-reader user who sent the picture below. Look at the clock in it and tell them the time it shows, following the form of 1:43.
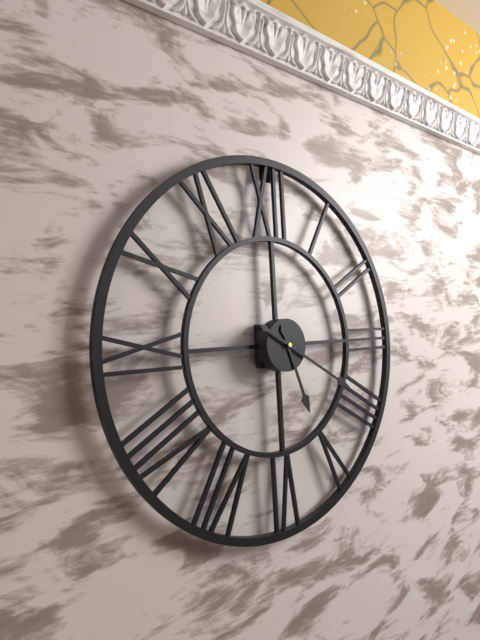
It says 5:20
